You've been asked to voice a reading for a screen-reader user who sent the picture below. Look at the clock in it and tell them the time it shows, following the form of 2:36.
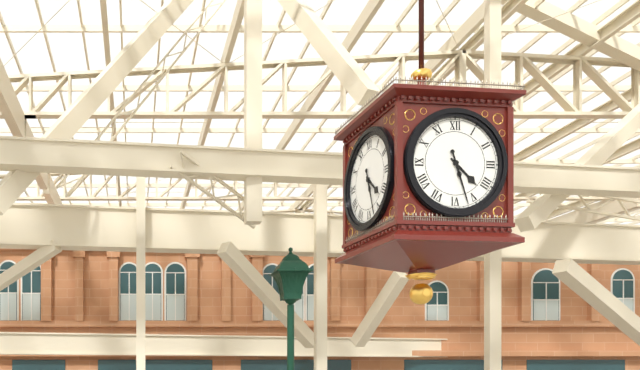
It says 4:27
